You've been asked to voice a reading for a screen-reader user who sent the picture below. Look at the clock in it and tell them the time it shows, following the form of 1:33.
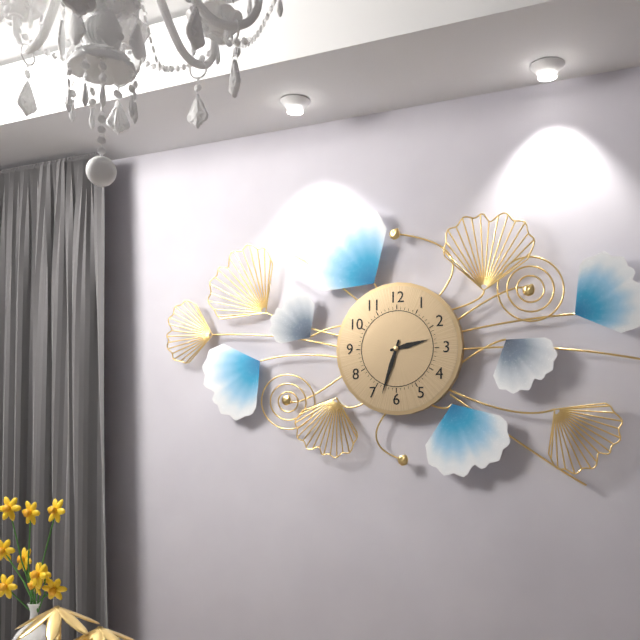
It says 2:33
